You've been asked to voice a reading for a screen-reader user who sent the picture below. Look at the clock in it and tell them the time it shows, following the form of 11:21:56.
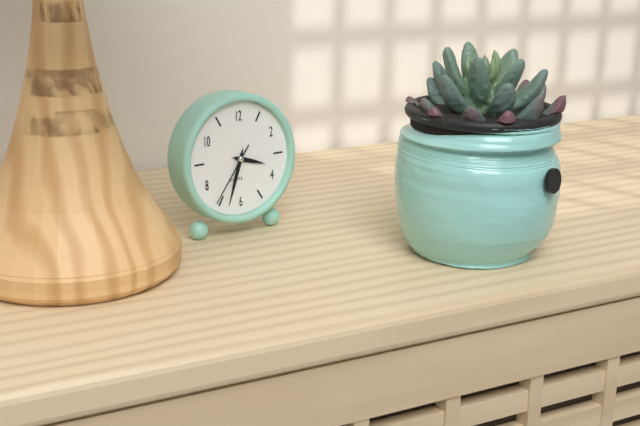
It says 3:33:36
